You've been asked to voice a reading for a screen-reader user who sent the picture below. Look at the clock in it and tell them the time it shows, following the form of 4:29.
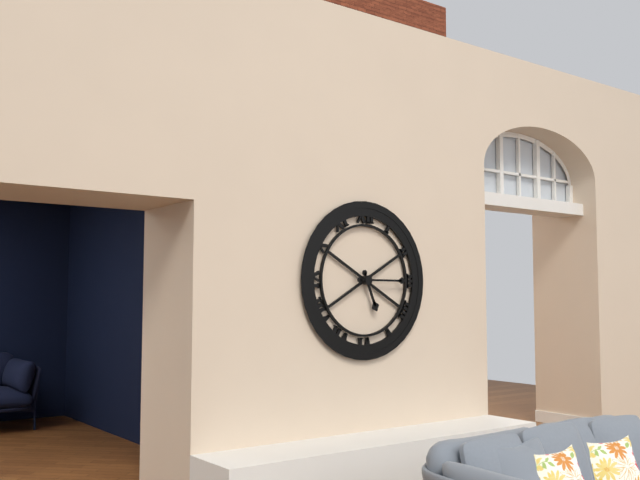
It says 5:15
